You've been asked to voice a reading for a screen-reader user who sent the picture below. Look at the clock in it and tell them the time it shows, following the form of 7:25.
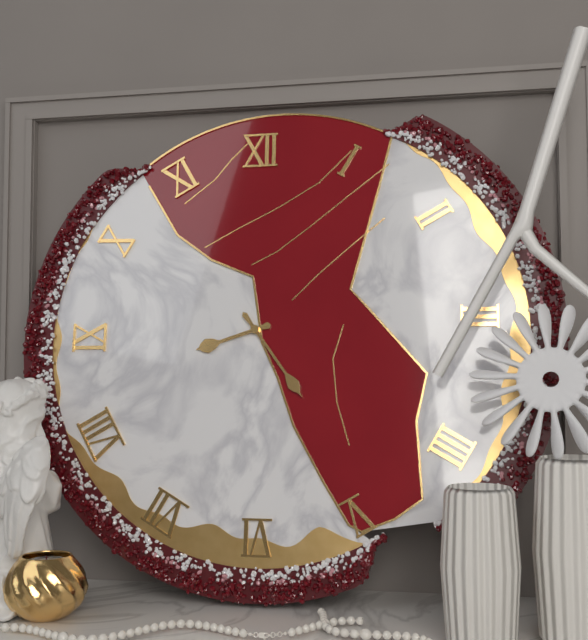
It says 8:24
